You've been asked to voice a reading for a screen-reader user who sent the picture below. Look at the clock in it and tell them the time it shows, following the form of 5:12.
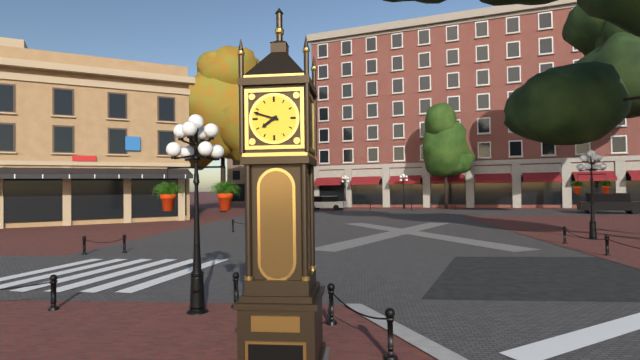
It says 7:48
